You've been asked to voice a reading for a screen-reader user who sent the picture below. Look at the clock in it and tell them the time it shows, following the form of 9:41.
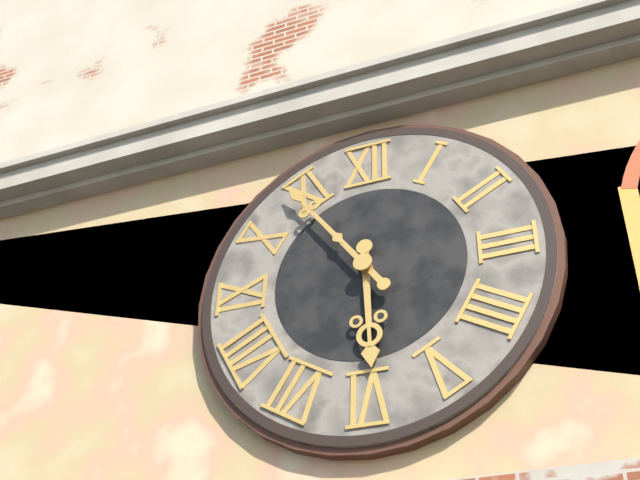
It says 5:54
